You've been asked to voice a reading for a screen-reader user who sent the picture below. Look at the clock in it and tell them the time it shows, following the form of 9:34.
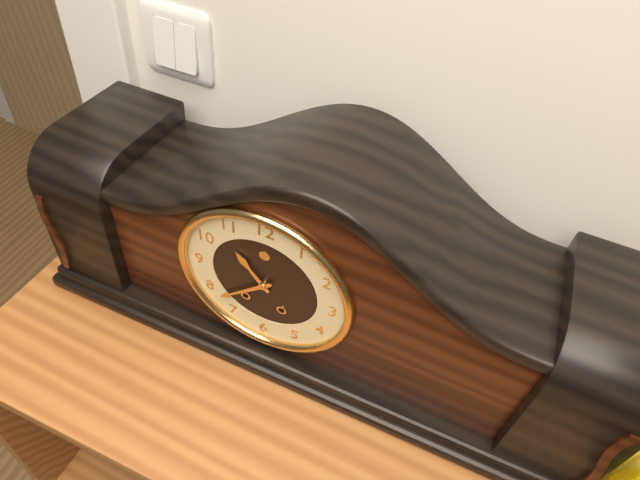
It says 10:38
